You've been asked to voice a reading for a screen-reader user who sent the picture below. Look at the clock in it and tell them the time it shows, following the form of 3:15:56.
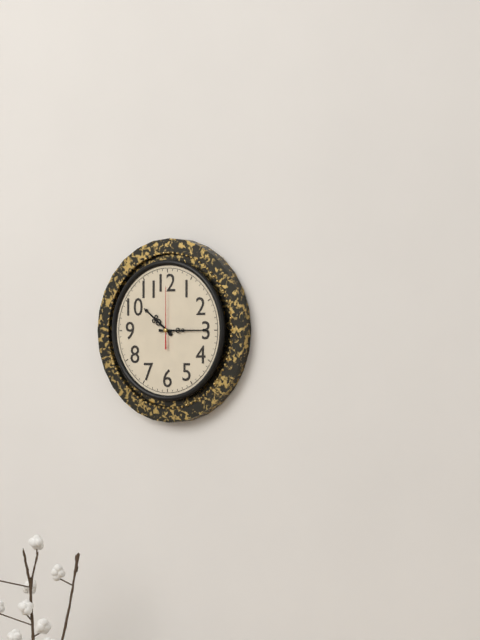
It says 10:15:00
